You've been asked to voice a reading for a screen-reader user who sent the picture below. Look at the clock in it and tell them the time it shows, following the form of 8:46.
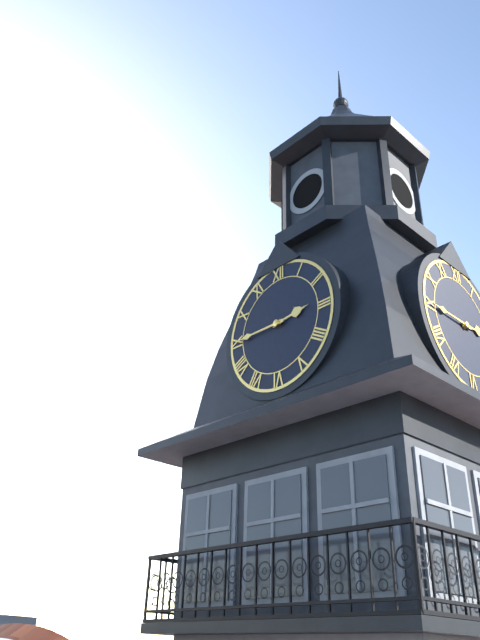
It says 2:45
